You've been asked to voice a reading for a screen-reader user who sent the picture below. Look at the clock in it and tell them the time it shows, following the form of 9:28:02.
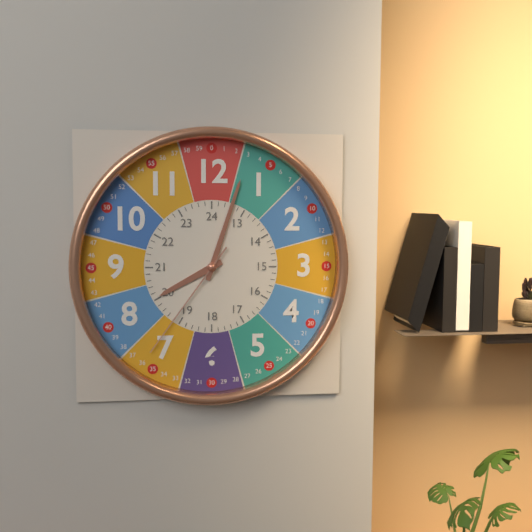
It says 8:03:36
